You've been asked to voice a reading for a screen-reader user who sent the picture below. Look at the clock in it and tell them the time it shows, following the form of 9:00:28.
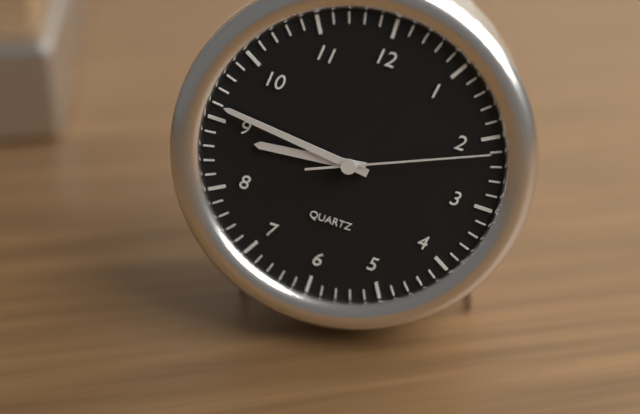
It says 8:46:11
